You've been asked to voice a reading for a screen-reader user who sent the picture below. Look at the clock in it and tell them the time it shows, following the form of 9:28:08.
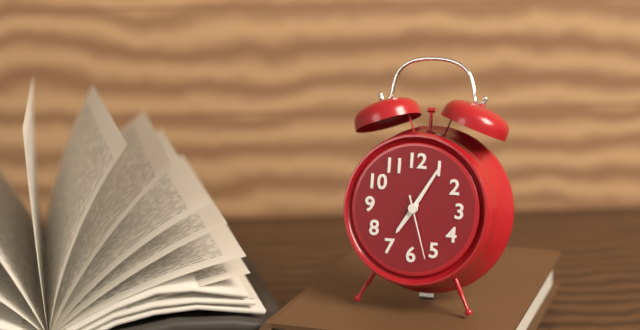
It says 7:05:27
